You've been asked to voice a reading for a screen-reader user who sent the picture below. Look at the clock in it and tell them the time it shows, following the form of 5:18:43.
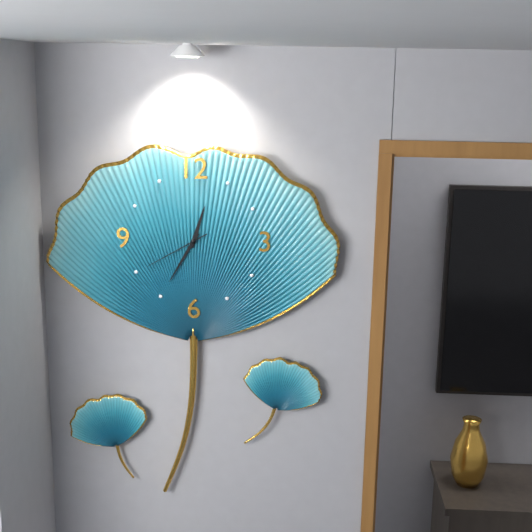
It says 12:35:40
